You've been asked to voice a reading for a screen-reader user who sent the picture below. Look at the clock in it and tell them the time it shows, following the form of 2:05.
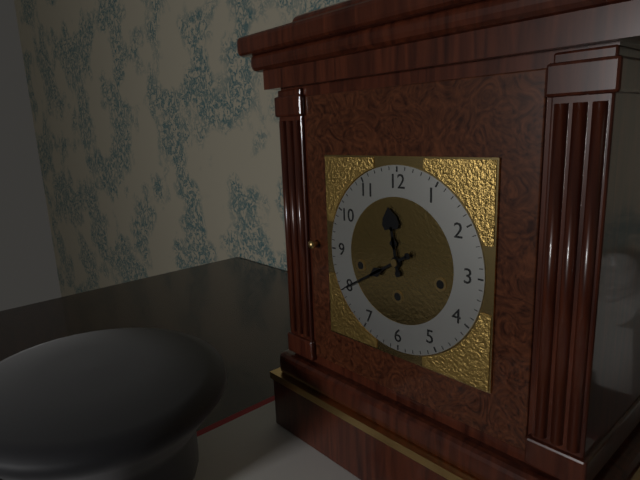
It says 11:40
